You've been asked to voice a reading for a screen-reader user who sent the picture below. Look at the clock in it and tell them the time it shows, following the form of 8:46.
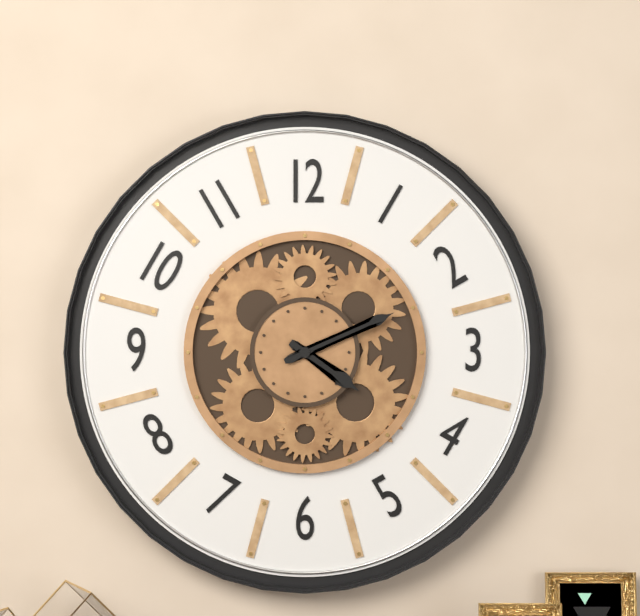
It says 4:11
